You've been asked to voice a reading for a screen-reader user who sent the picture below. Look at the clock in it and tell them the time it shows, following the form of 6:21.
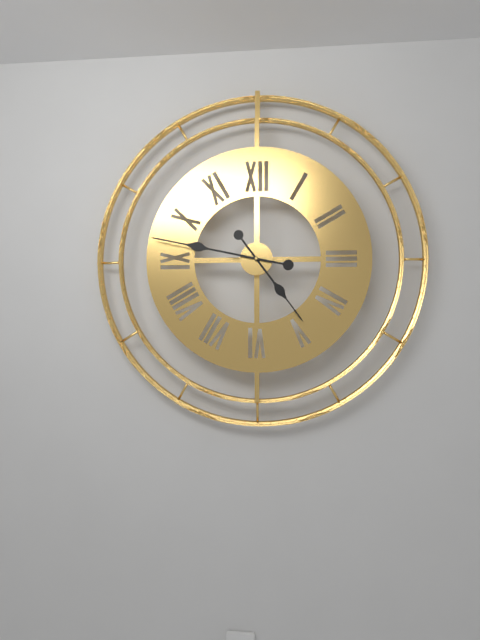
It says 4:47
